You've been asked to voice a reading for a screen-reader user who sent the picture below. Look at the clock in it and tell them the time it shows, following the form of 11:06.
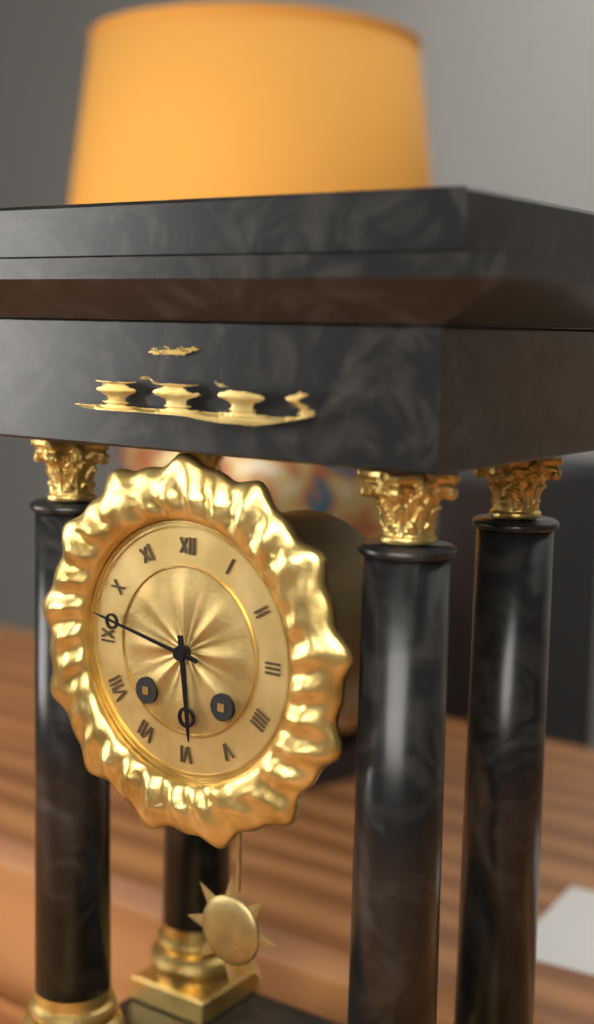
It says 5:47
